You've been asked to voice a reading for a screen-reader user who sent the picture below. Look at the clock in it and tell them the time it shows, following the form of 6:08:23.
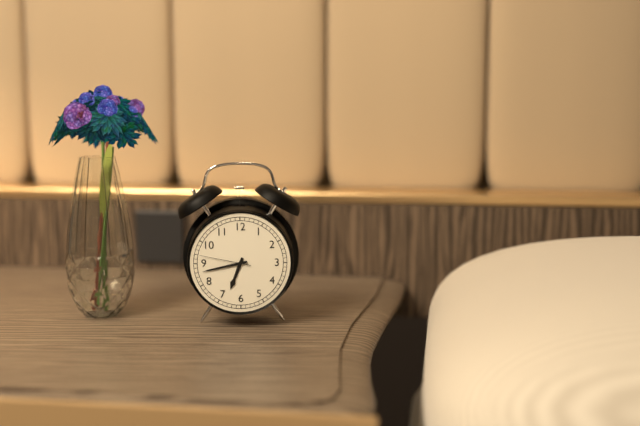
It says 6:43:47
